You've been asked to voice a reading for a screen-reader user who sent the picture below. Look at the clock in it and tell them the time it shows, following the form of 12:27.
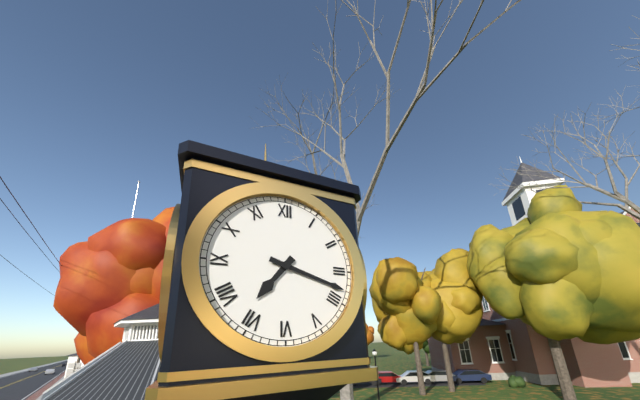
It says 7:18
